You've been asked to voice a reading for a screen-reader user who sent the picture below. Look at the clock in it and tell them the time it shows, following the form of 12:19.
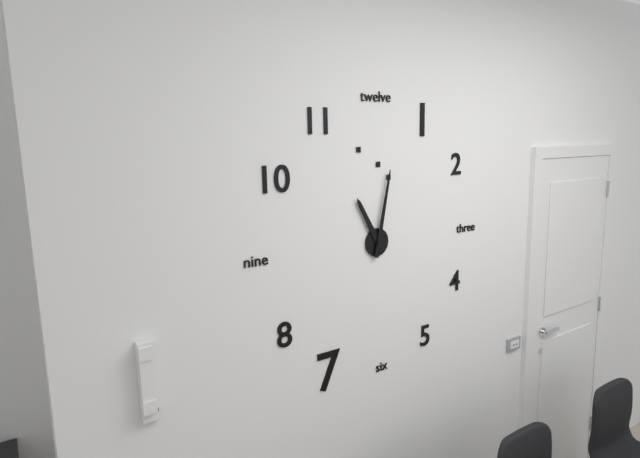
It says 11:02
